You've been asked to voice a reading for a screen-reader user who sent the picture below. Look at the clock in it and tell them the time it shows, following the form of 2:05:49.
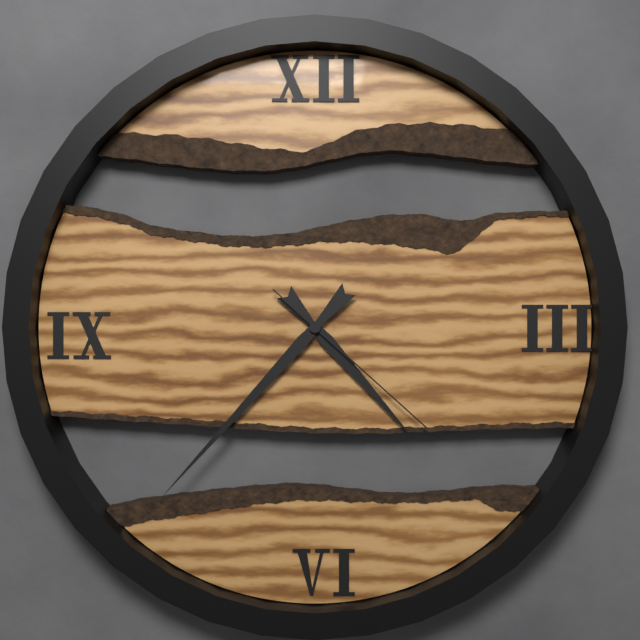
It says 4:37:22
